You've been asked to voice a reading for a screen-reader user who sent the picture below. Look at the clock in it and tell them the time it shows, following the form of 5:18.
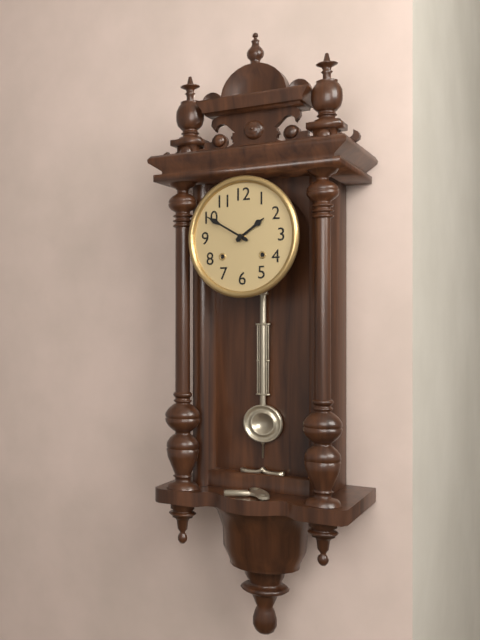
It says 1:50
